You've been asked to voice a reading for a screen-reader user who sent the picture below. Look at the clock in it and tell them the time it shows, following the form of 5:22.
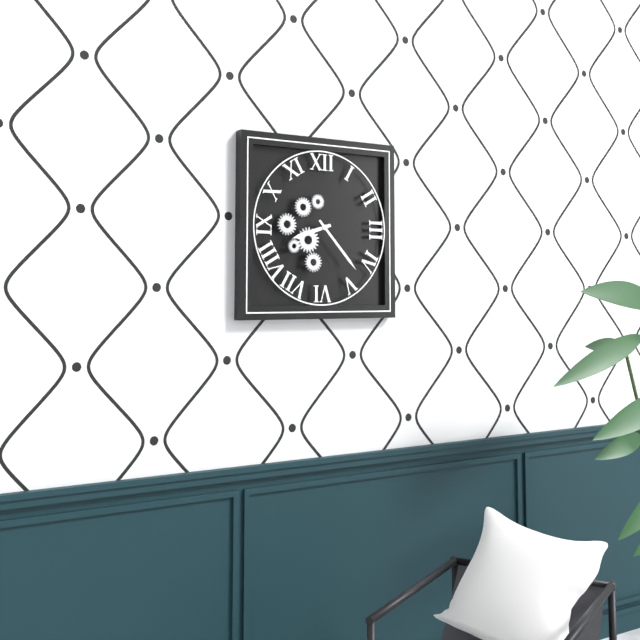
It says 8:23
